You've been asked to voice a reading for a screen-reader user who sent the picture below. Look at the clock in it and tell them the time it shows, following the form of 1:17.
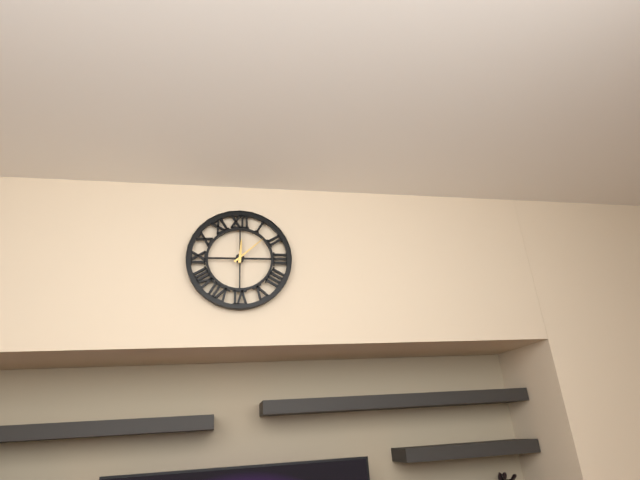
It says 12:08
